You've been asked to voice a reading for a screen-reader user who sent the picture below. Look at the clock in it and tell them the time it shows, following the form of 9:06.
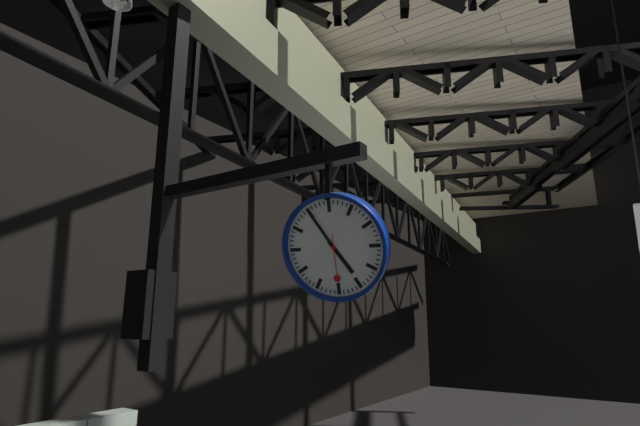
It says 4:55
